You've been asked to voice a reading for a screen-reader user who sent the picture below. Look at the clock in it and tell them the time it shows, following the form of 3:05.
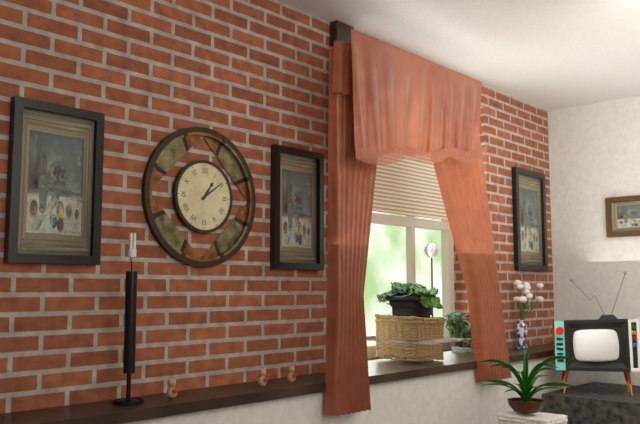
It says 1:09
